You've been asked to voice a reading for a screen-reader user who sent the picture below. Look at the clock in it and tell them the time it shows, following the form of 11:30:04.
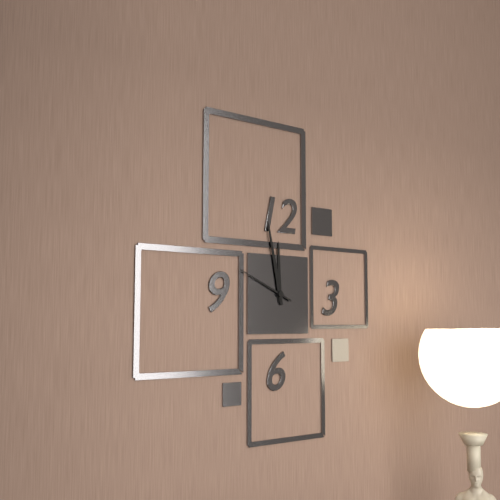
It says 11:58:49
